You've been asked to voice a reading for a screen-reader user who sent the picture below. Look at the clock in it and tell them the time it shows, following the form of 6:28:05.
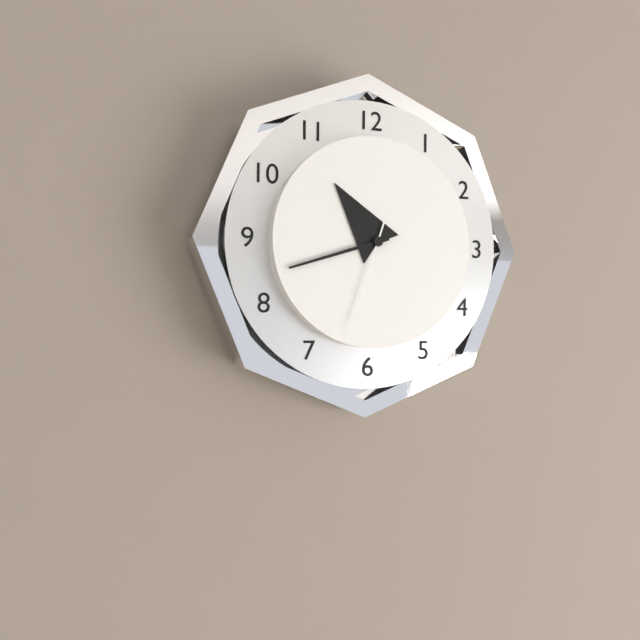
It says 10:42:33
